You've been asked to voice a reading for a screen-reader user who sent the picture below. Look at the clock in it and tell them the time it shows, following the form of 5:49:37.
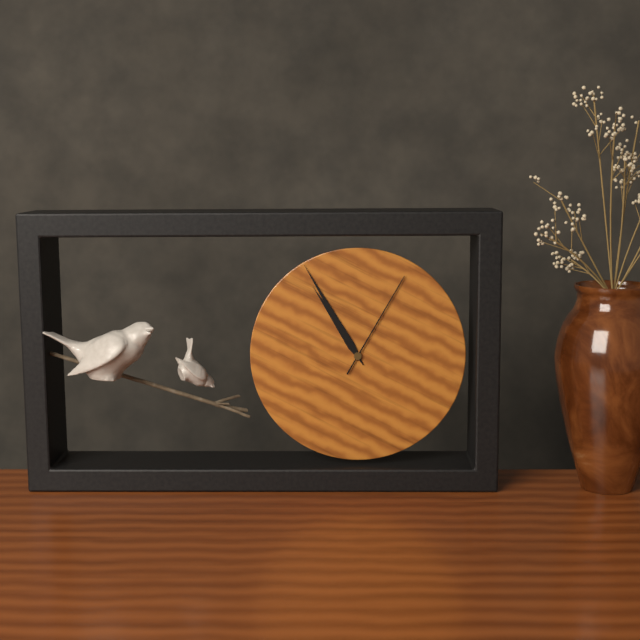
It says 10:55:05
